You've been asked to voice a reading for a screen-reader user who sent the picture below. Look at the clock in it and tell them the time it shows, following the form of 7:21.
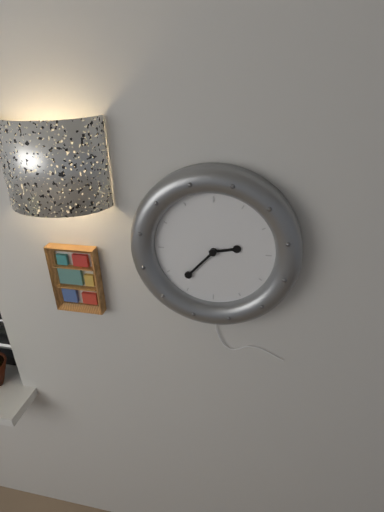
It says 2:37
